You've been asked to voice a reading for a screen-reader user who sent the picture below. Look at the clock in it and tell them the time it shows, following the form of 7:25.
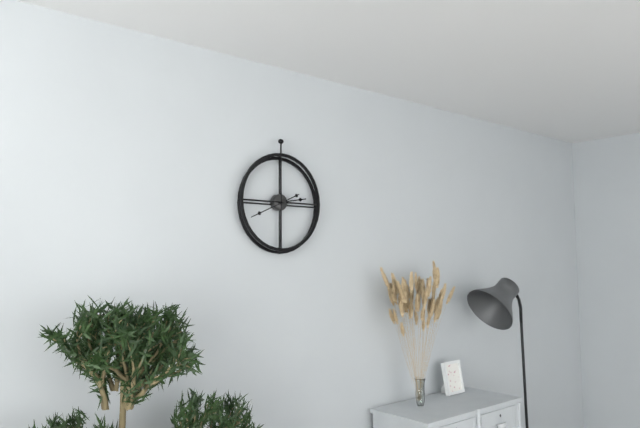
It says 2:41
